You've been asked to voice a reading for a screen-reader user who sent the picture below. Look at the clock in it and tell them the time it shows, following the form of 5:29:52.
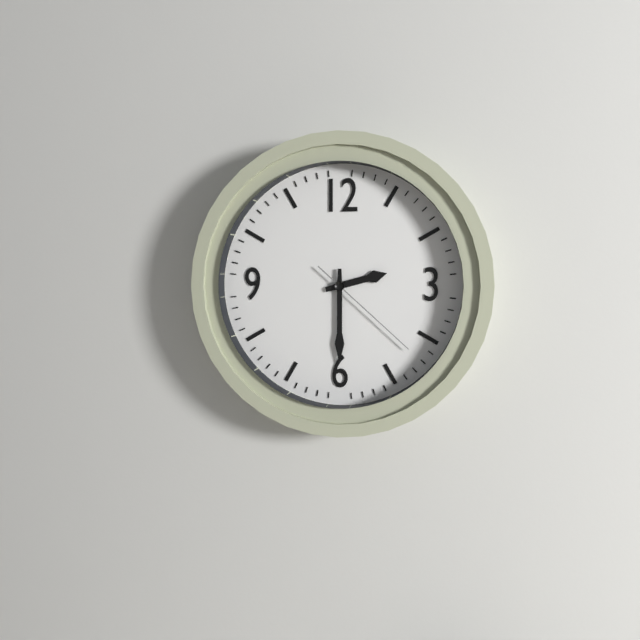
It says 2:30:22
